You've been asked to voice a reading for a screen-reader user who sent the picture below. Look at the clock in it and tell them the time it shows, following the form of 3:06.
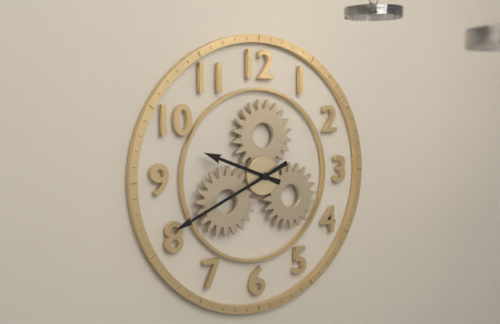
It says 9:41
